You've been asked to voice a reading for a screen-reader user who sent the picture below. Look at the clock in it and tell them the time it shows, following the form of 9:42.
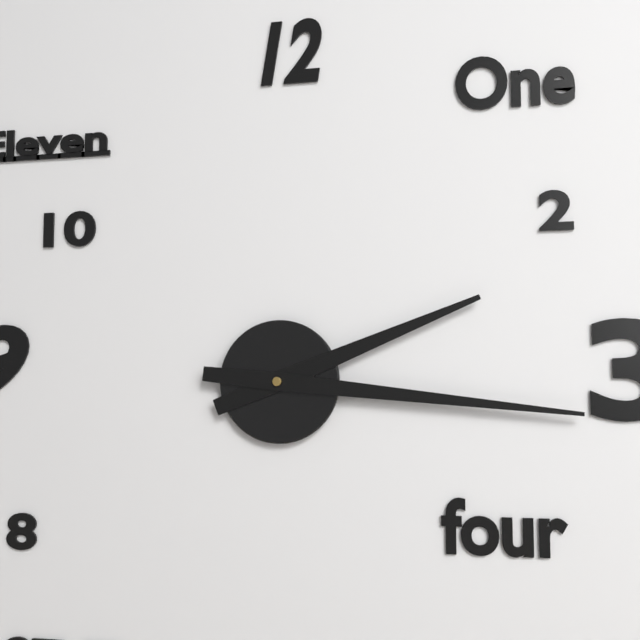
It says 2:16
